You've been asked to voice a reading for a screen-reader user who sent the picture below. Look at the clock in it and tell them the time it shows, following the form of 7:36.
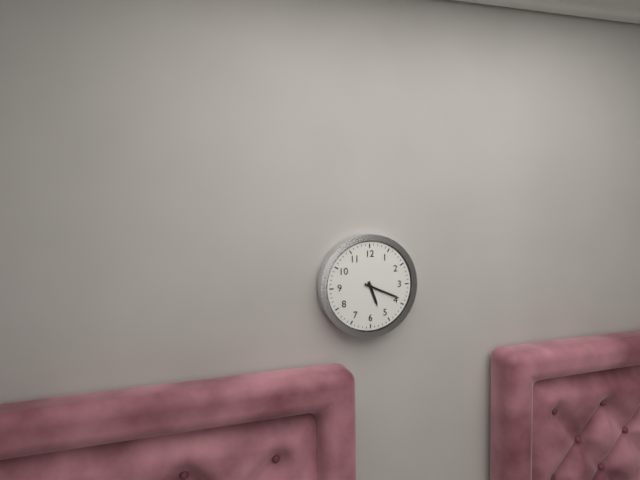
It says 5:19
